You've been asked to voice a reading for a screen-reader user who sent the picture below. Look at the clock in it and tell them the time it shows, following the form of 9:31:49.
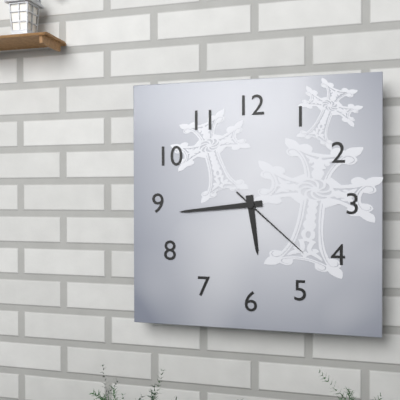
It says 5:44:22
